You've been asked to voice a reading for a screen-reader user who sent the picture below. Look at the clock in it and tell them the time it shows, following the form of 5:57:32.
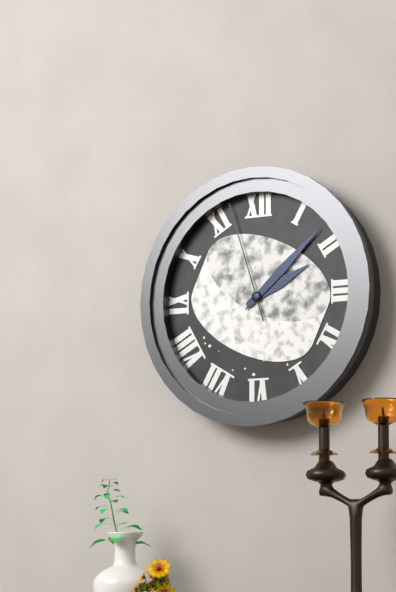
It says 2:08:57
